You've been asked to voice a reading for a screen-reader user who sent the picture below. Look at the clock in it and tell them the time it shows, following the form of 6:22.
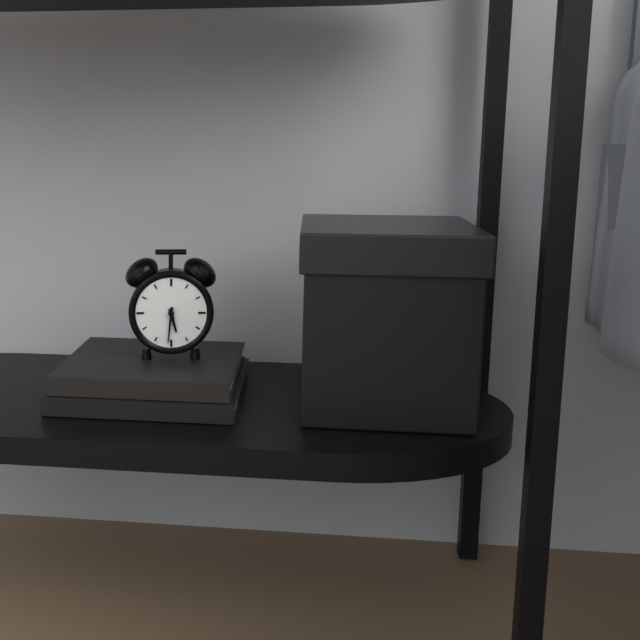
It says 5:31
